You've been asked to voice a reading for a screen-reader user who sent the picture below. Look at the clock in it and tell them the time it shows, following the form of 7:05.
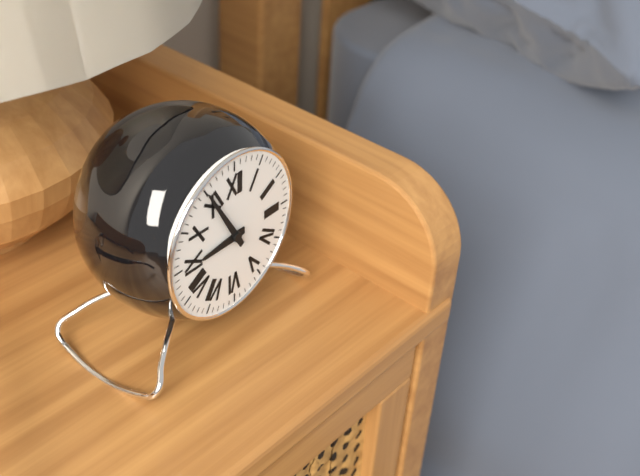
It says 8:55
